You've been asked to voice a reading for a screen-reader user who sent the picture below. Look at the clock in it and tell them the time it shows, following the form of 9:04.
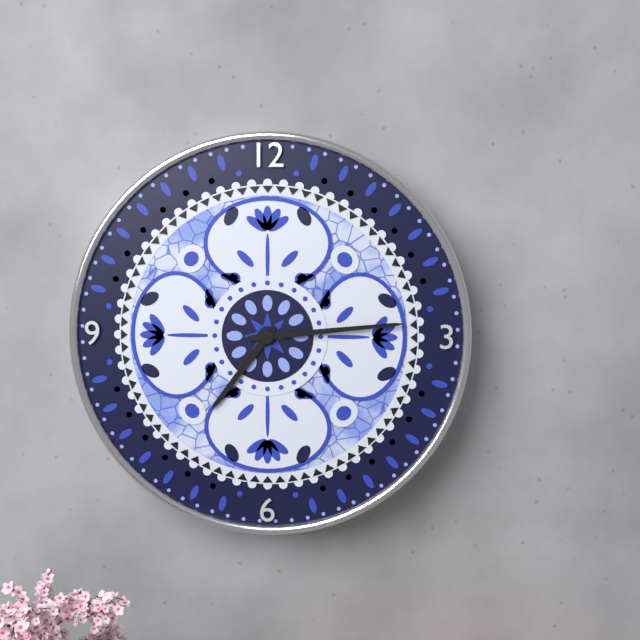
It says 7:14
